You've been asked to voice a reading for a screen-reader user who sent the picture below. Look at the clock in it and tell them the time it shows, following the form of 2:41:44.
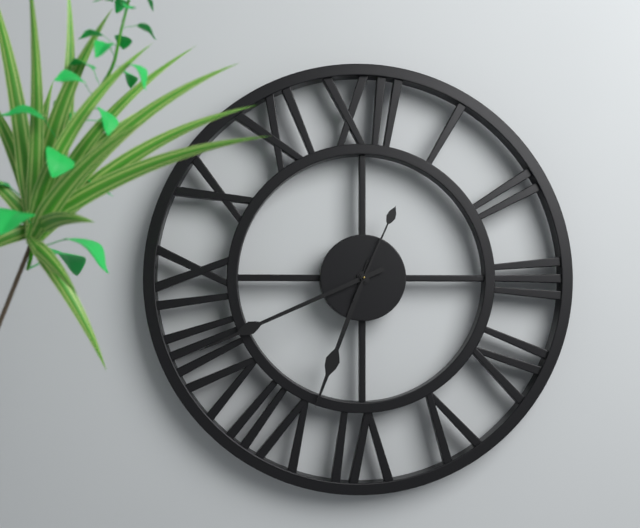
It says 6:41:04
